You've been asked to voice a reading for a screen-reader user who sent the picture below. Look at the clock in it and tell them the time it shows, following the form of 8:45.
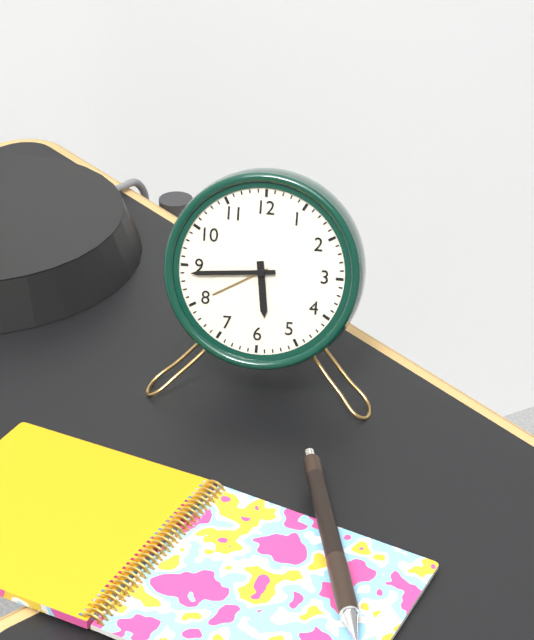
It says 5:44
